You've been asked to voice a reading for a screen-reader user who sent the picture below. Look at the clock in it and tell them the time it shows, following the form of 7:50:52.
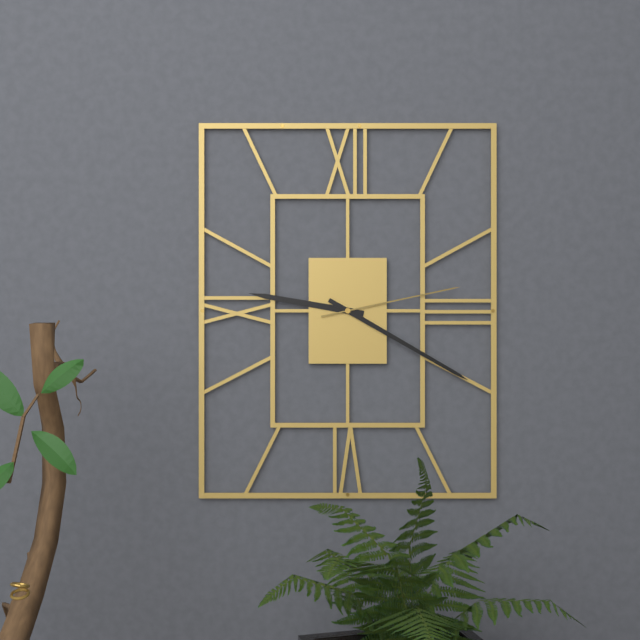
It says 9:20:13
